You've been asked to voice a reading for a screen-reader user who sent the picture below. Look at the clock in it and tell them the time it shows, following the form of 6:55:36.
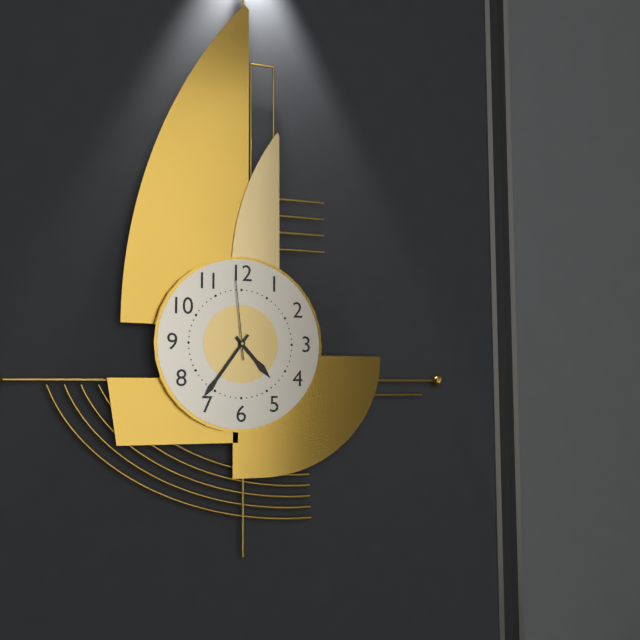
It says 4:36:59
